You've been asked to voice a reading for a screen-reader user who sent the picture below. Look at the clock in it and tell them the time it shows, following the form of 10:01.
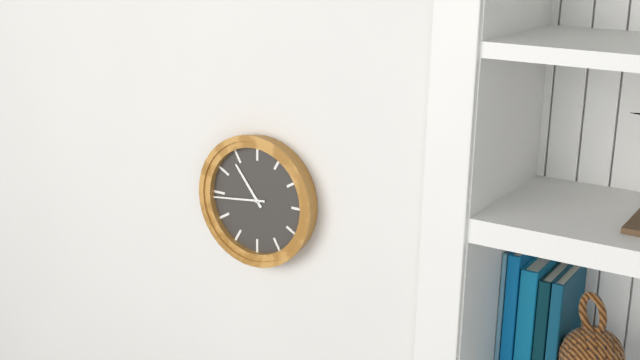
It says 10:44
